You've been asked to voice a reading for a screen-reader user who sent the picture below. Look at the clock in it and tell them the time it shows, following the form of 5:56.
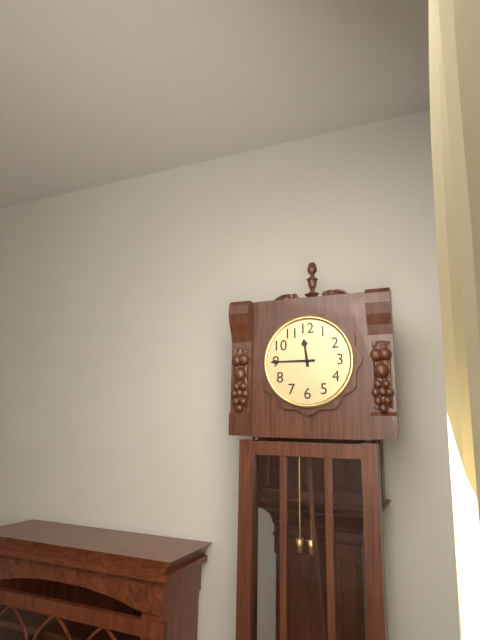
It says 11:45
